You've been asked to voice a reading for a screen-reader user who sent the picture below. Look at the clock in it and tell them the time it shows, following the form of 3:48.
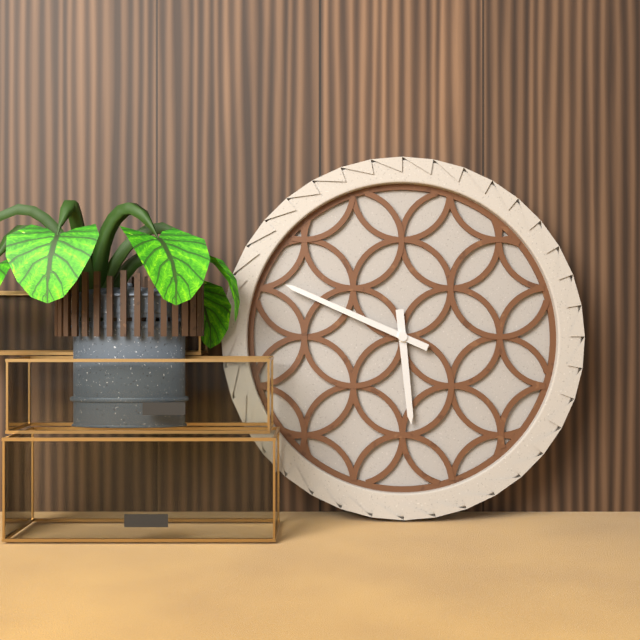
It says 5:49
